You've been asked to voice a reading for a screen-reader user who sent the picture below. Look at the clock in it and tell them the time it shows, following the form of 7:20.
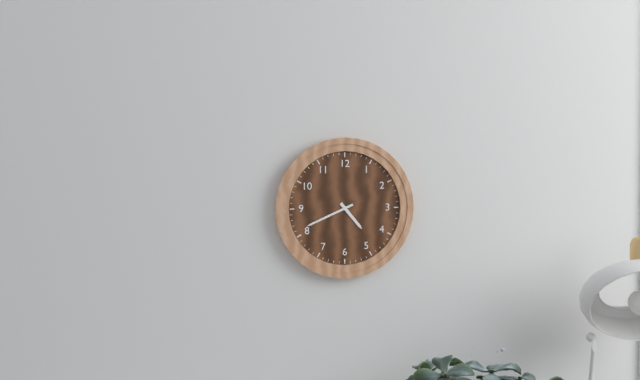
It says 4:41
